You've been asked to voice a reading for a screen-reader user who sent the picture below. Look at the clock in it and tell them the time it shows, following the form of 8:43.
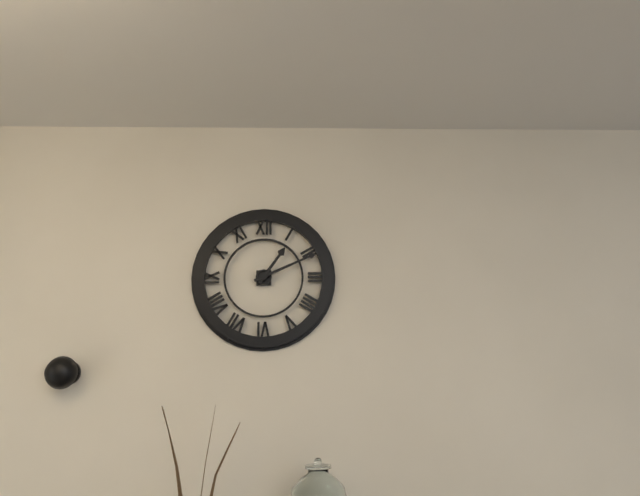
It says 1:11
